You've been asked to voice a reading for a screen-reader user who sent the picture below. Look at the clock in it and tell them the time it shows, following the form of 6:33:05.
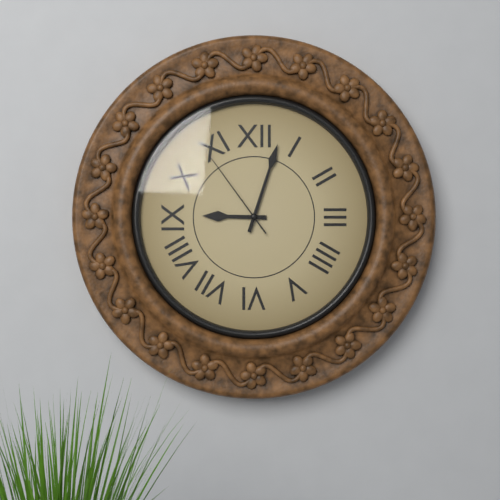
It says 9:03:54
